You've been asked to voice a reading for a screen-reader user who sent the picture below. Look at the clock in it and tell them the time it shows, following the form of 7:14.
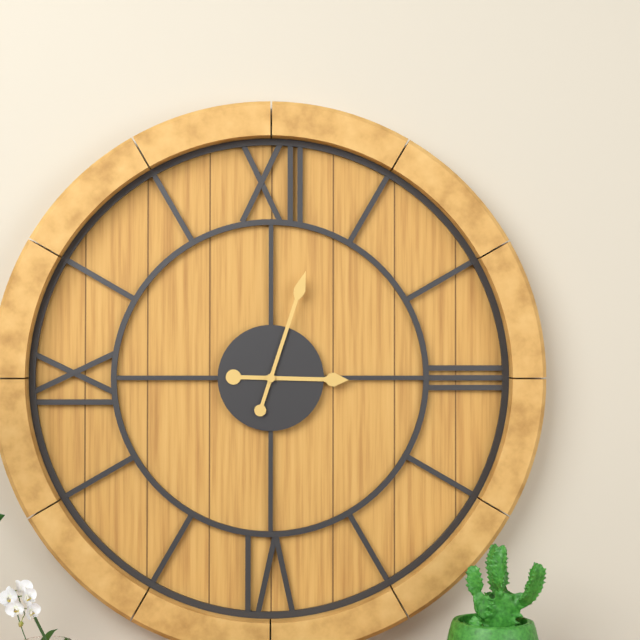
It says 3:03
